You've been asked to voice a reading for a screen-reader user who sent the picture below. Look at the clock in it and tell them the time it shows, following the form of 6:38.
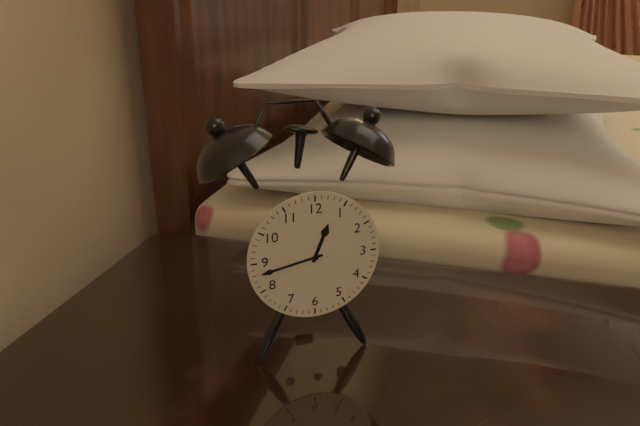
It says 12:43
